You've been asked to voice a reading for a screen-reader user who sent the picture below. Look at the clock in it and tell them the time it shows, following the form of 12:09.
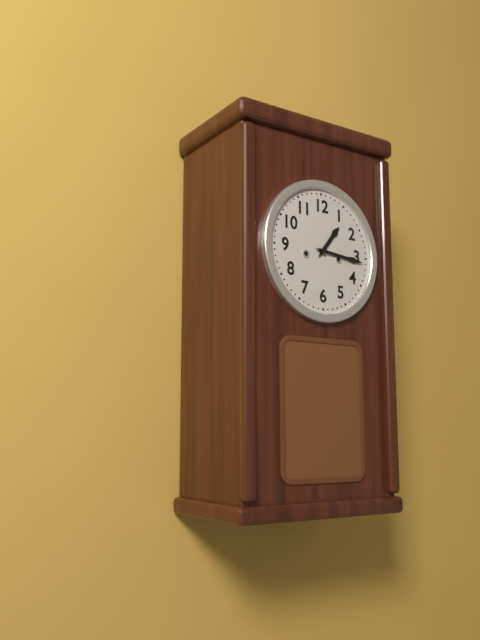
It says 1:16
